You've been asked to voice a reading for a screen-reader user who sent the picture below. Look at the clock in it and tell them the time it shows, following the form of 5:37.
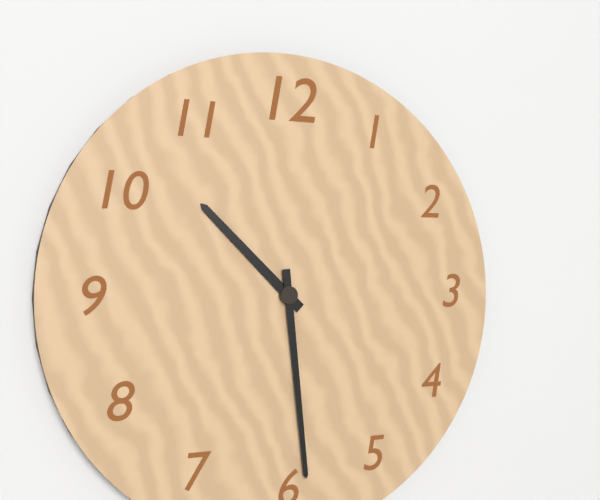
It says 10:29
